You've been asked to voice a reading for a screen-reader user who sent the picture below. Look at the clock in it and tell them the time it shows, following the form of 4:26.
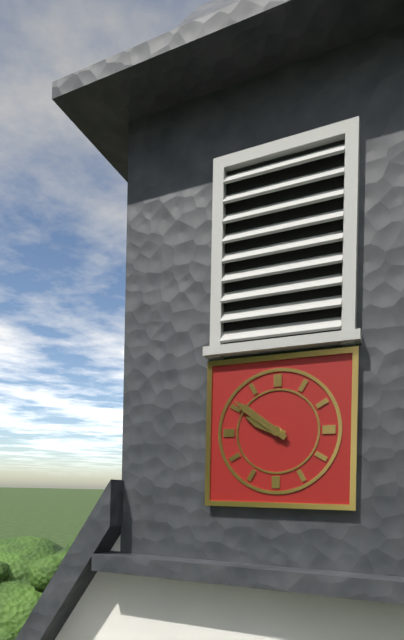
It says 9:51
